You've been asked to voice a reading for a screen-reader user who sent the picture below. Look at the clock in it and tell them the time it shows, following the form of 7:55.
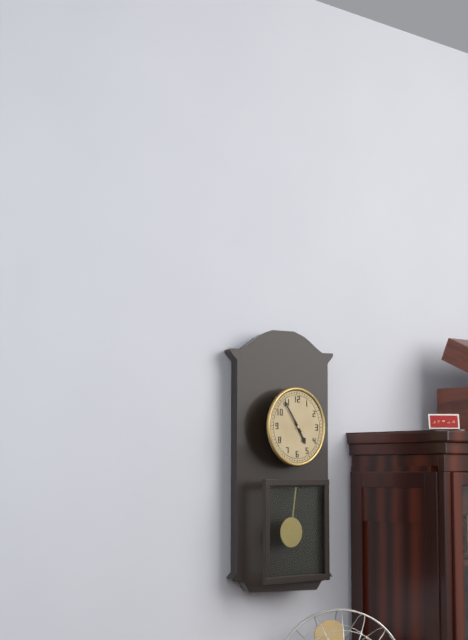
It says 4:54
